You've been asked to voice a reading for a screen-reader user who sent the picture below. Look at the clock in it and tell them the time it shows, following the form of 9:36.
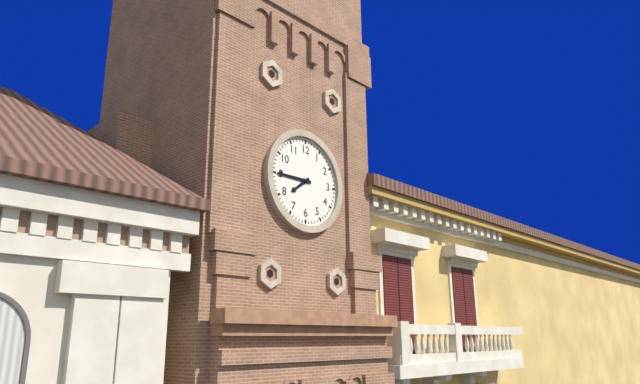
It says 7:45
